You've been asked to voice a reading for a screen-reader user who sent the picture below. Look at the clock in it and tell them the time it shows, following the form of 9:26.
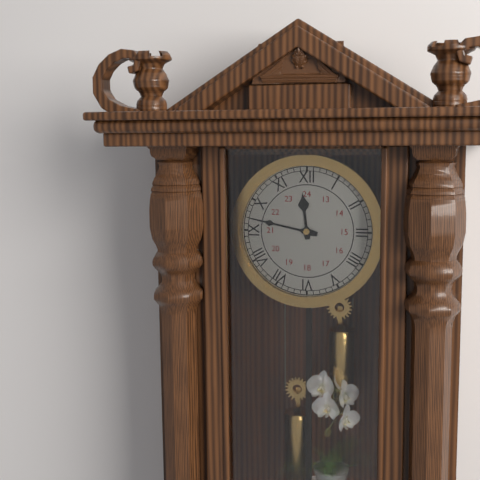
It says 11:47
